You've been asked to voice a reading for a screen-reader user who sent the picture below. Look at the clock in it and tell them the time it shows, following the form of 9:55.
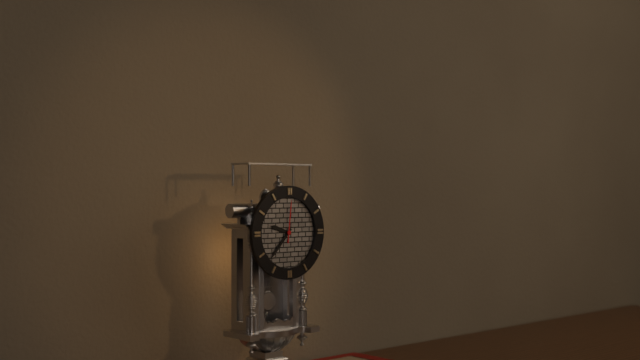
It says 9:37
